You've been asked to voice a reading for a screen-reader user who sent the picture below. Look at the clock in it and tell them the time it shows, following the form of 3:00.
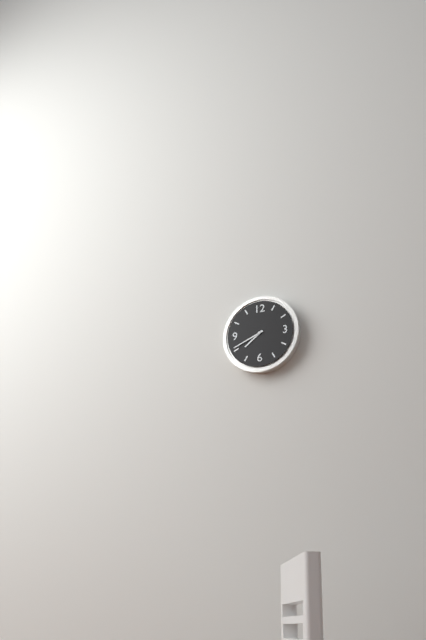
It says 7:41
